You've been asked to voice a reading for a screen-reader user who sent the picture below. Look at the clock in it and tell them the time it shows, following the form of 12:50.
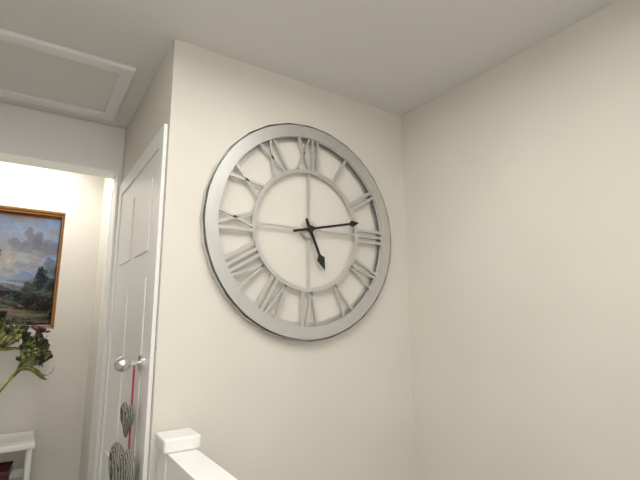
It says 5:13
